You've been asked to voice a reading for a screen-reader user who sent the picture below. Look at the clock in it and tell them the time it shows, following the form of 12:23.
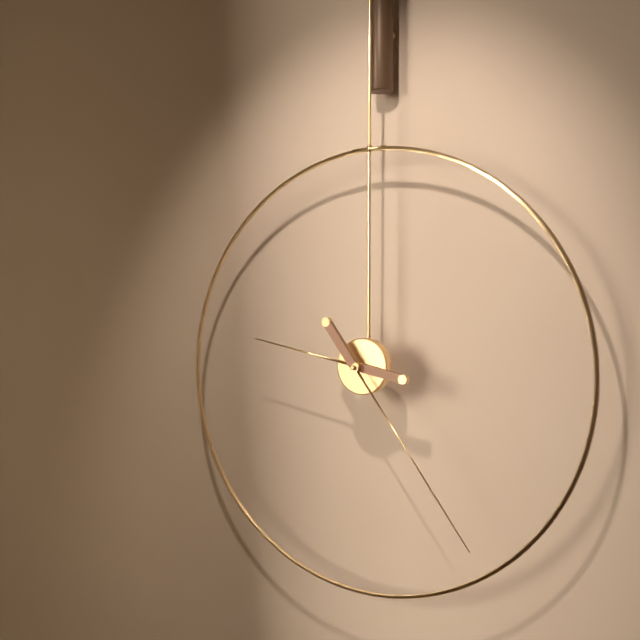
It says 9:24
